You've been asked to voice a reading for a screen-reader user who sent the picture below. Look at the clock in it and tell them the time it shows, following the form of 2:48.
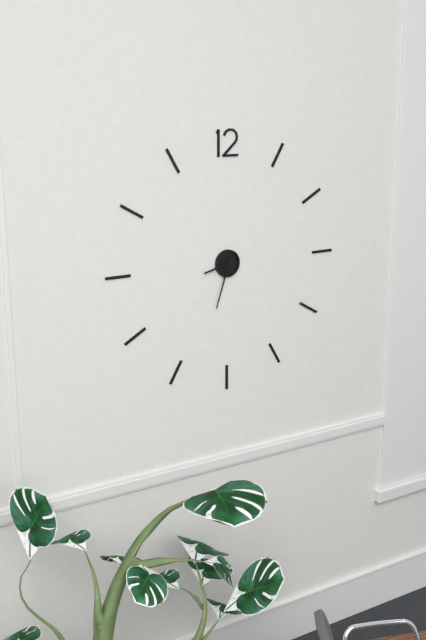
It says 8:33
